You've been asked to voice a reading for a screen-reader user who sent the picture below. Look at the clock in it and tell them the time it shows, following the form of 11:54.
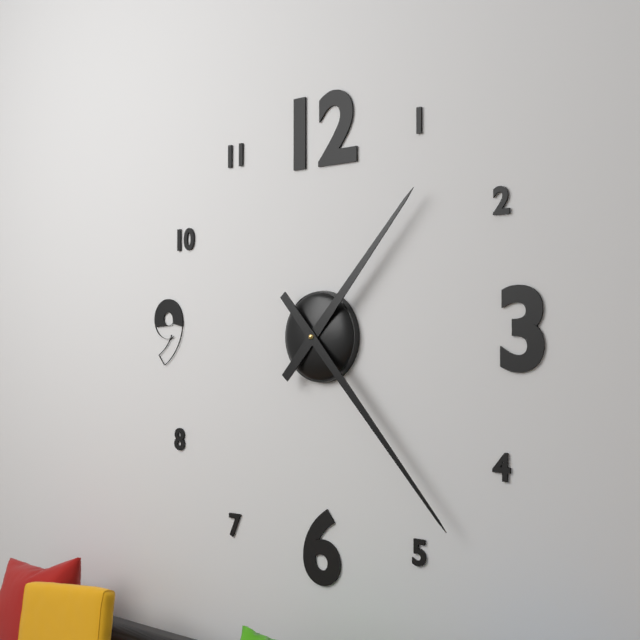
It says 1:23
